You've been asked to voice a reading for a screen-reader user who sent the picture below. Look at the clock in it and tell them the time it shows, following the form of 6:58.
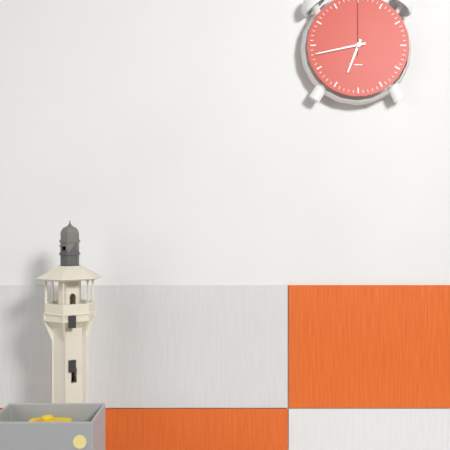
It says 6:43
